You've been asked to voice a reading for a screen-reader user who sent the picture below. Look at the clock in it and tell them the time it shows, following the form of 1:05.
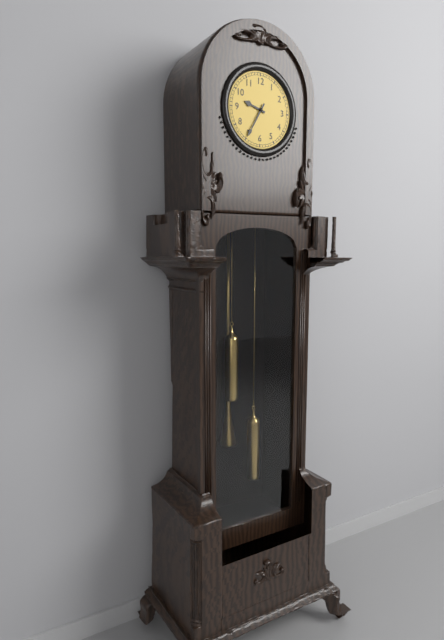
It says 9:35
